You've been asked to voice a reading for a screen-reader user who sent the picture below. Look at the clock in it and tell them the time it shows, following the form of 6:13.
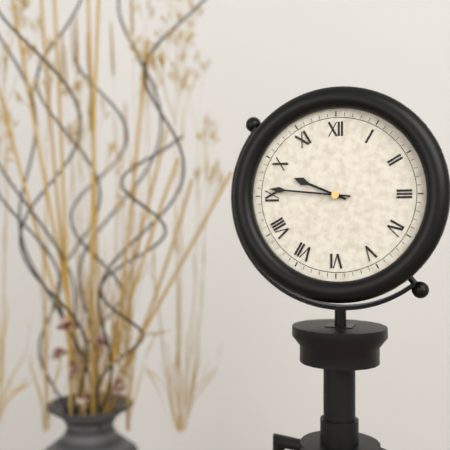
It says 9:46
